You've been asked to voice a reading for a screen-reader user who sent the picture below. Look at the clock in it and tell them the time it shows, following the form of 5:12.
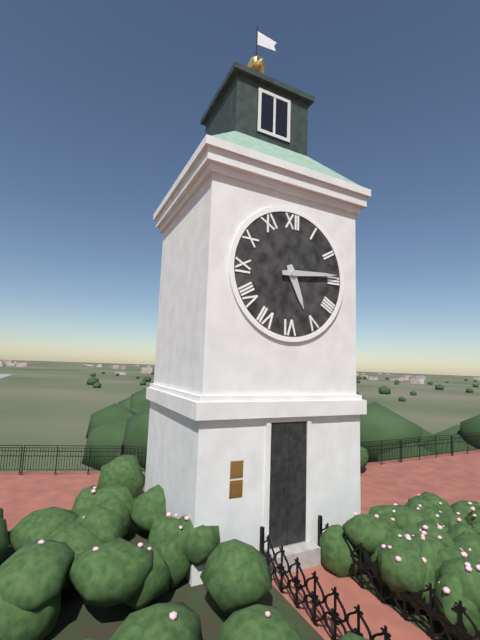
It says 5:14
